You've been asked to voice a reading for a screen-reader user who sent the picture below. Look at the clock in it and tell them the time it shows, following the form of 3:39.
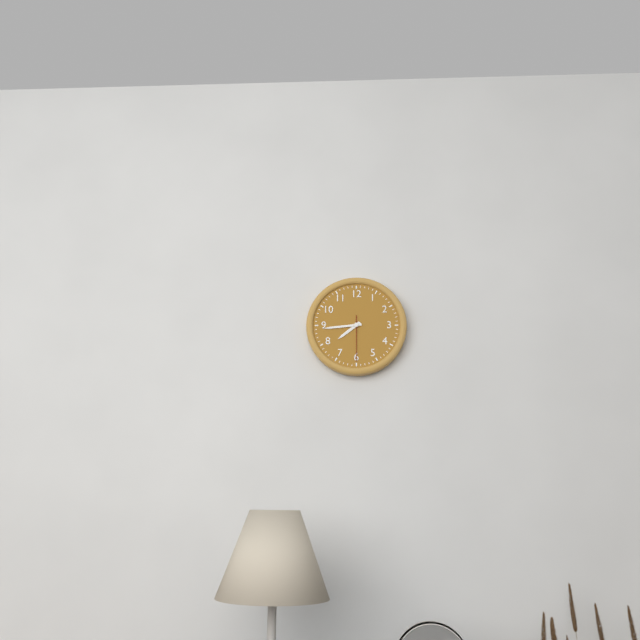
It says 7:44
